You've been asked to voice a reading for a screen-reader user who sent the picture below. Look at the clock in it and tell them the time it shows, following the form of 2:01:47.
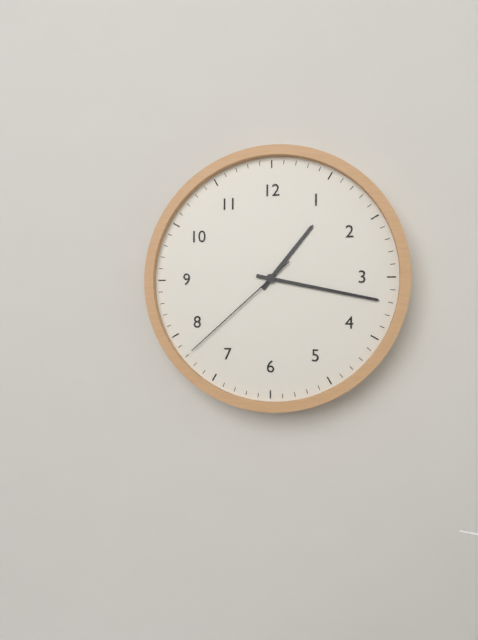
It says 1:17:38
